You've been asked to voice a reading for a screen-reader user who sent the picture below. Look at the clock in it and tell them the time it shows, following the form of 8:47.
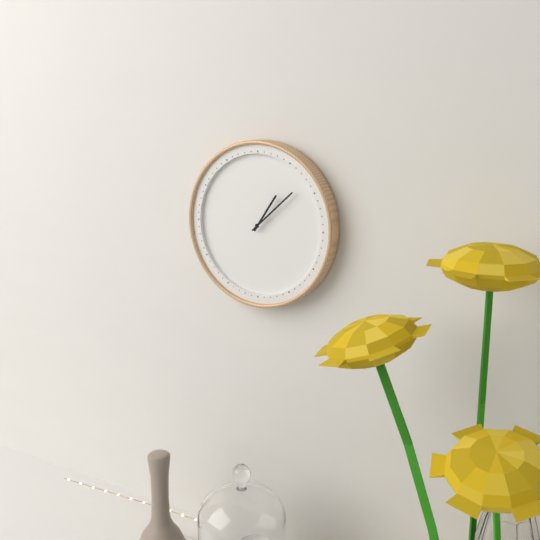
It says 1:08
